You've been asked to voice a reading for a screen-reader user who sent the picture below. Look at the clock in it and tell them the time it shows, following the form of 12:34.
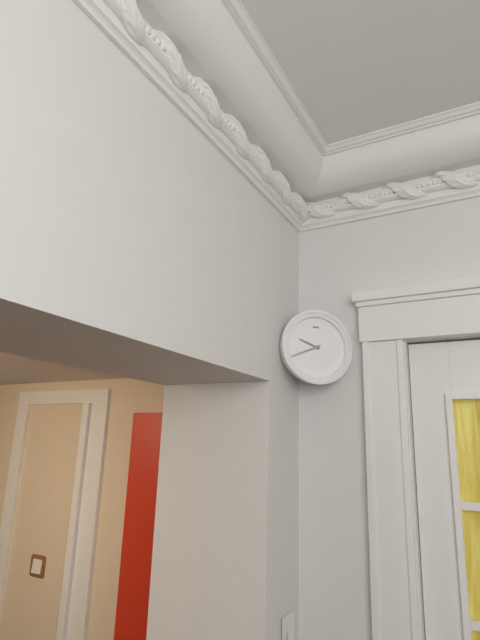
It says 9:41
